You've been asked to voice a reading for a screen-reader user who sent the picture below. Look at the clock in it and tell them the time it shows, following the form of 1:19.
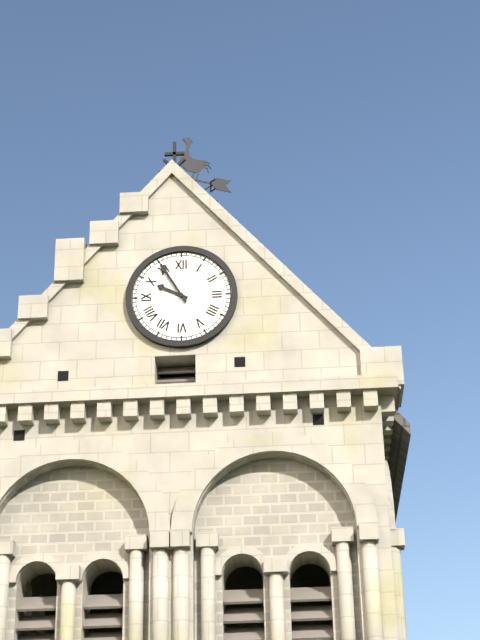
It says 9:55
